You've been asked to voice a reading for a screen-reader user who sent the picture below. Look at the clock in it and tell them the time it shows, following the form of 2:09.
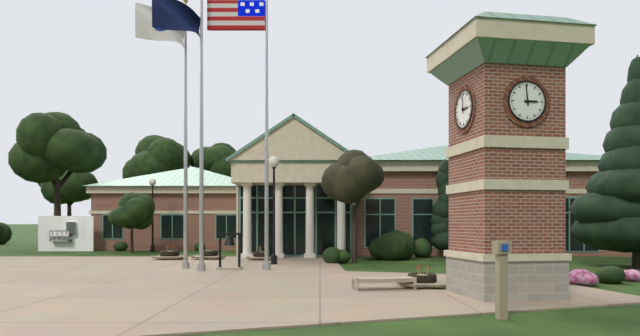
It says 2:59
